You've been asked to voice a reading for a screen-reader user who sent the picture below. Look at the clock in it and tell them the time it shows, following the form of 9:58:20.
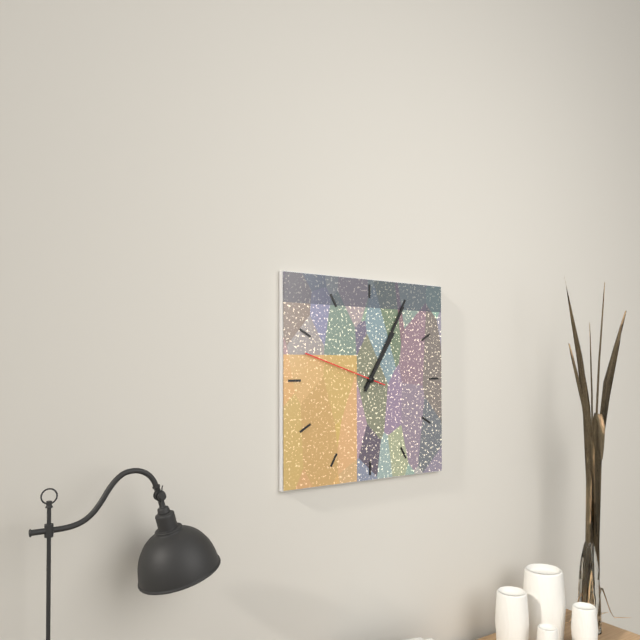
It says 1:05:48
